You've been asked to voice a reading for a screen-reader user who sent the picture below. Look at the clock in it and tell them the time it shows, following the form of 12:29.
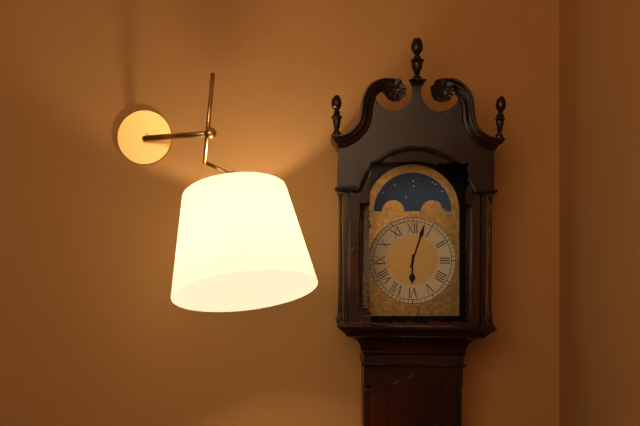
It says 6:03
